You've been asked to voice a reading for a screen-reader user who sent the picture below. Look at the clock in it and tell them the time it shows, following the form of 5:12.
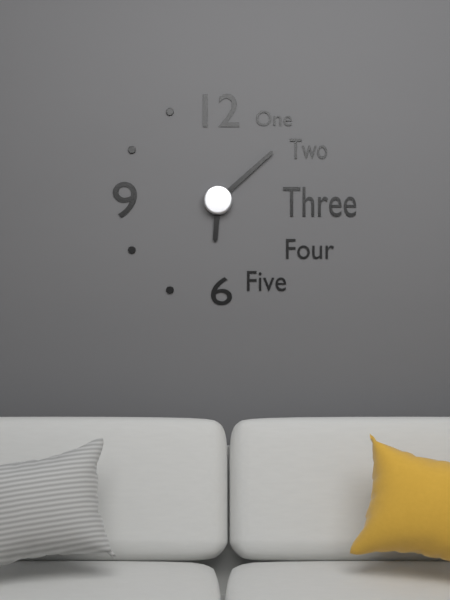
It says 6:08
